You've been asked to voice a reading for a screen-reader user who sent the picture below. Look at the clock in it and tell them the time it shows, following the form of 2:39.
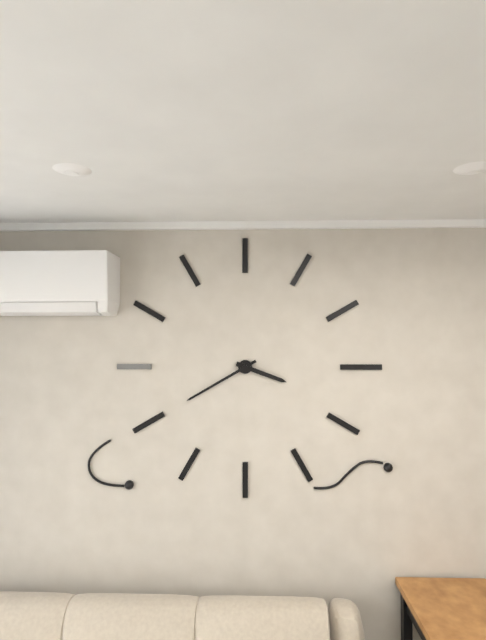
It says 3:40
